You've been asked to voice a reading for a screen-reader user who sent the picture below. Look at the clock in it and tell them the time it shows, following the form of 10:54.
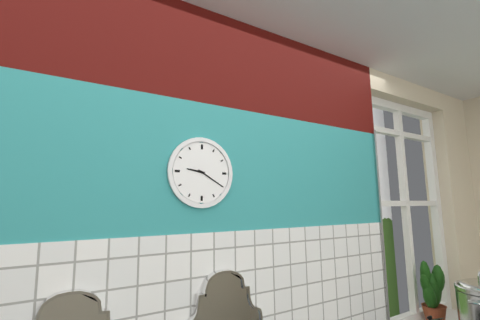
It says 9:20
